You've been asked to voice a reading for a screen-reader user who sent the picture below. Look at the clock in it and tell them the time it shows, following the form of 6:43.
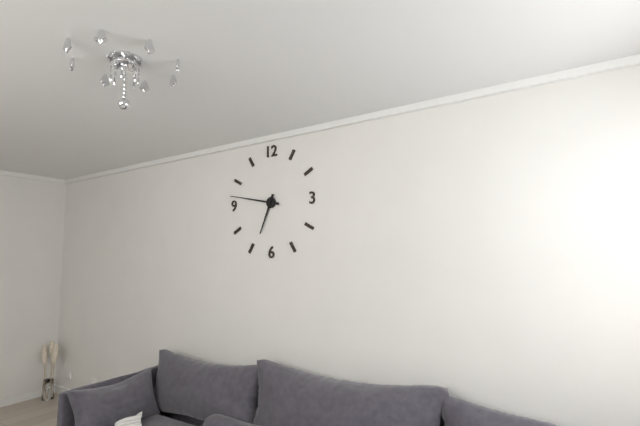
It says 6:47
